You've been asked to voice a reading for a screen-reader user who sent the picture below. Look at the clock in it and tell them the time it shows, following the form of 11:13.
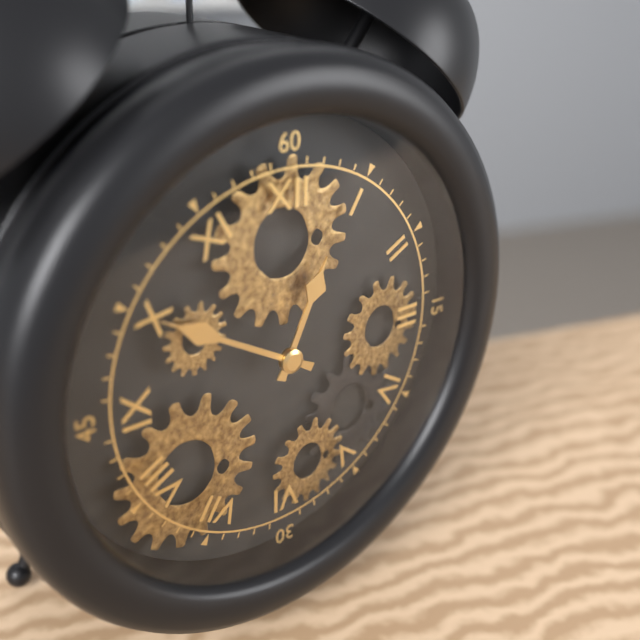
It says 12:50
